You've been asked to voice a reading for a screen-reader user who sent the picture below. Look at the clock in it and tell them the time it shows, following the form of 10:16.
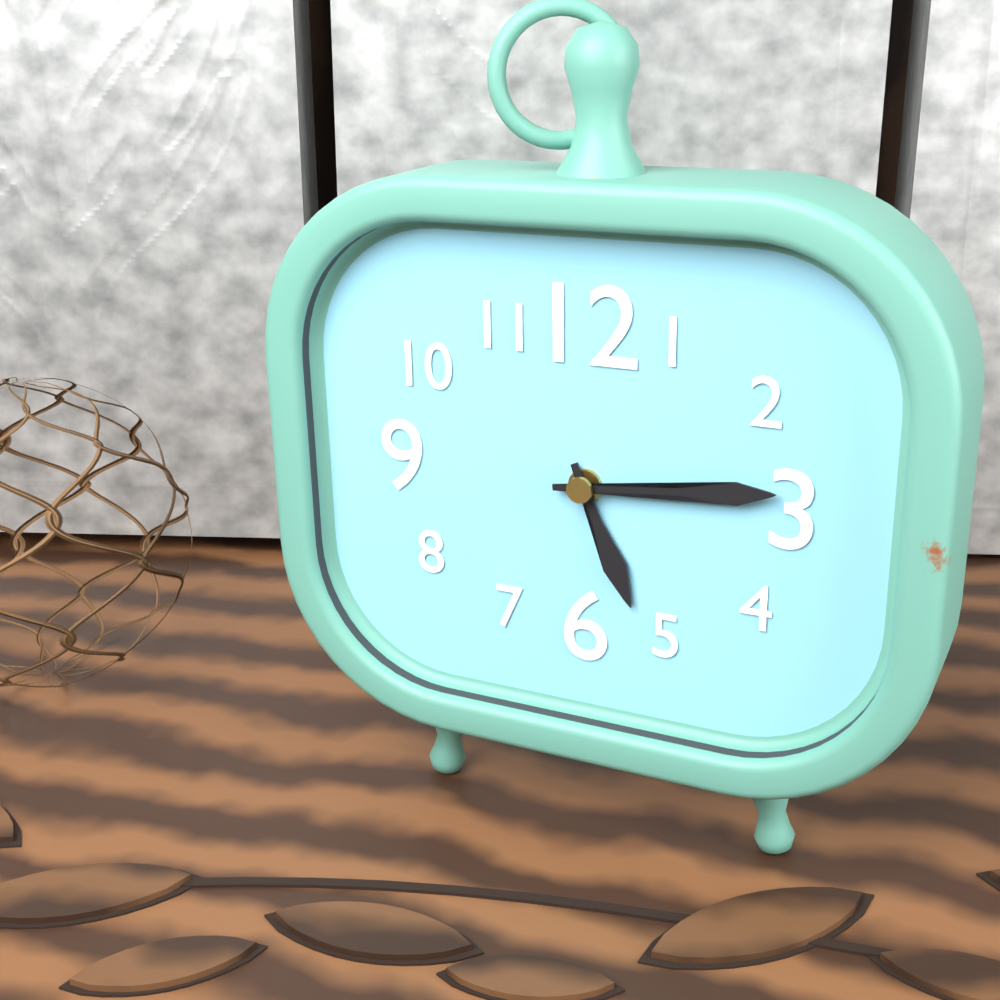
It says 5:14
